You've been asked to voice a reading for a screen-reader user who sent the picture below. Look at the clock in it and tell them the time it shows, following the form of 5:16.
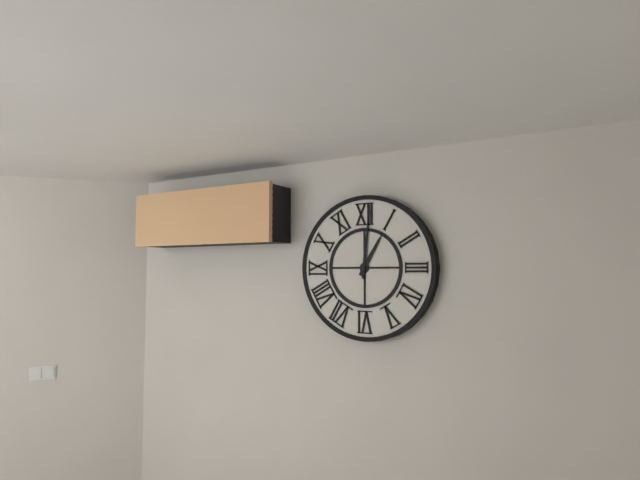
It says 1:01
